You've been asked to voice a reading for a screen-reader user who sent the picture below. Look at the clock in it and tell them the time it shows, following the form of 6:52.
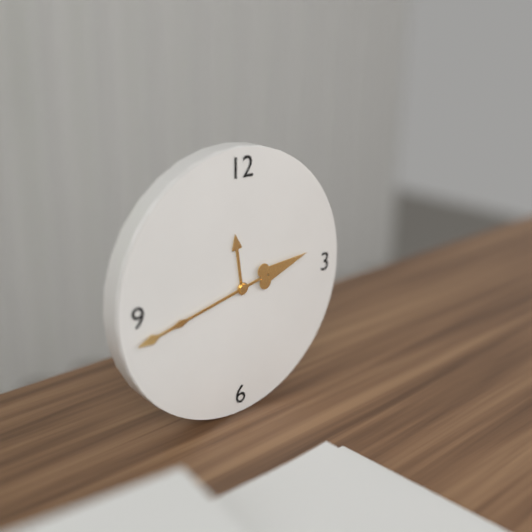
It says 11:43
